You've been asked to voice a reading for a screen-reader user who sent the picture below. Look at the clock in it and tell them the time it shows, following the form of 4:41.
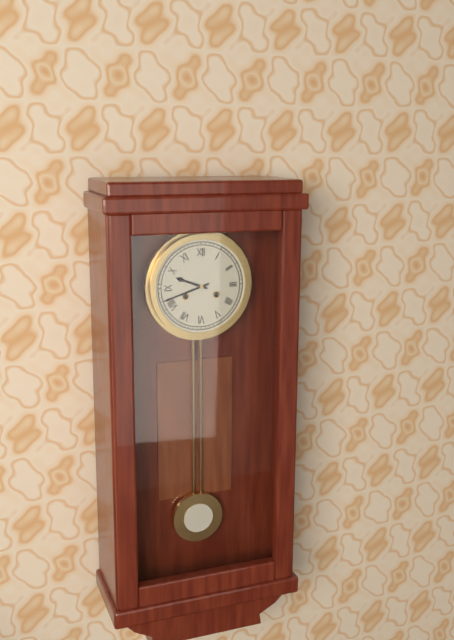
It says 9:42
